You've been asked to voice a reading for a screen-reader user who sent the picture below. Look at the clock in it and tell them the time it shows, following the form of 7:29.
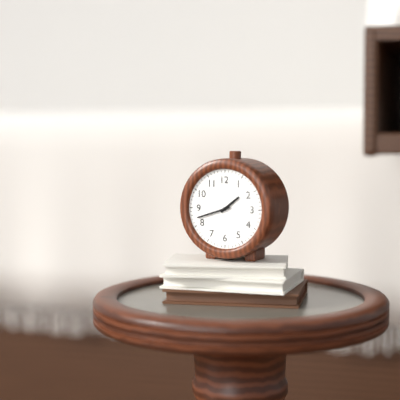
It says 1:42
